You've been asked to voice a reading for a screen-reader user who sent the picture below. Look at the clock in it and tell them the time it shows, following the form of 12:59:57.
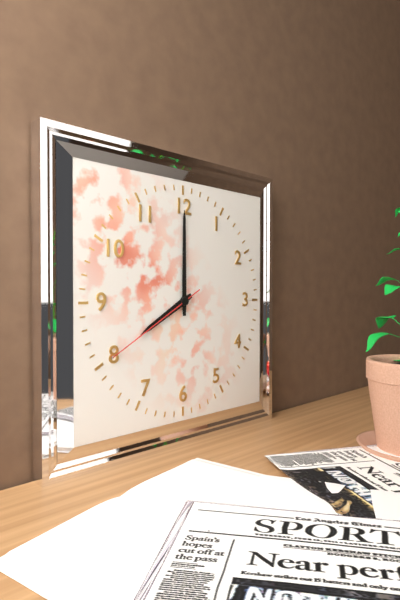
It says 8:00:40
